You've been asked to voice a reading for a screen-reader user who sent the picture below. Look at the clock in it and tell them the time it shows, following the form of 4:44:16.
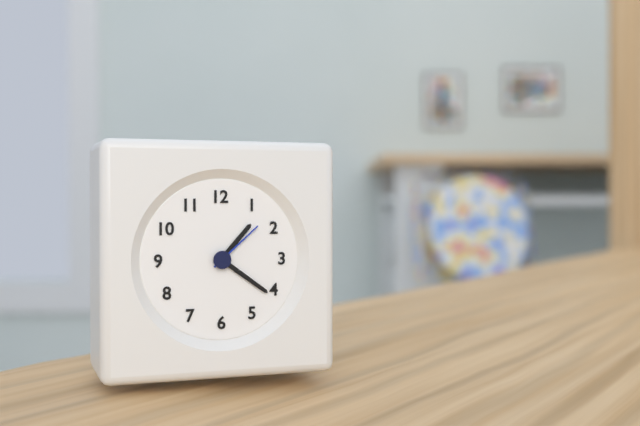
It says 1:21:08
